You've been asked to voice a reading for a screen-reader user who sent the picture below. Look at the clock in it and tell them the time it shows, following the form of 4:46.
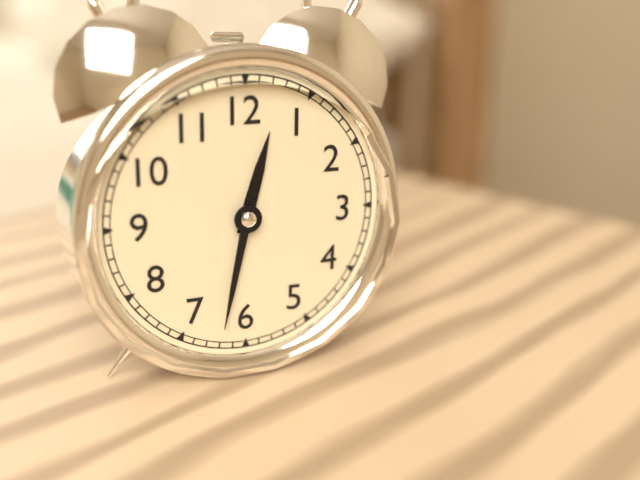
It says 12:32
